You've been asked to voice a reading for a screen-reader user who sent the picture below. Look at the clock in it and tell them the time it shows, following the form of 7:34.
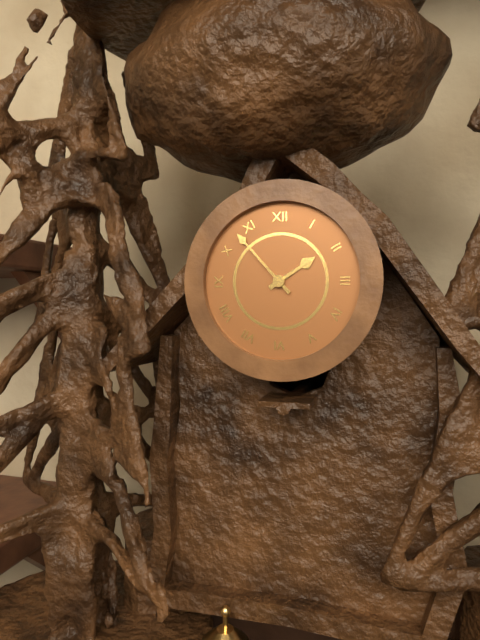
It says 1:53
